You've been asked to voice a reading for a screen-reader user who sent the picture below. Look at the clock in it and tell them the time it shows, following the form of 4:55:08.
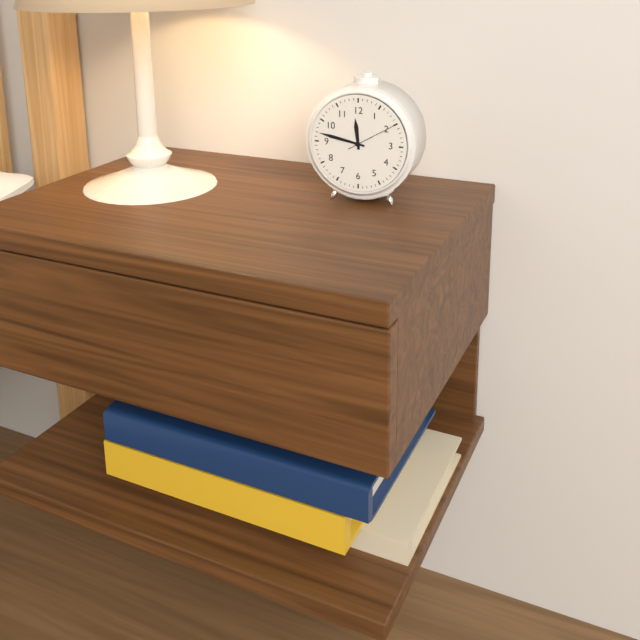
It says 11:47:10
